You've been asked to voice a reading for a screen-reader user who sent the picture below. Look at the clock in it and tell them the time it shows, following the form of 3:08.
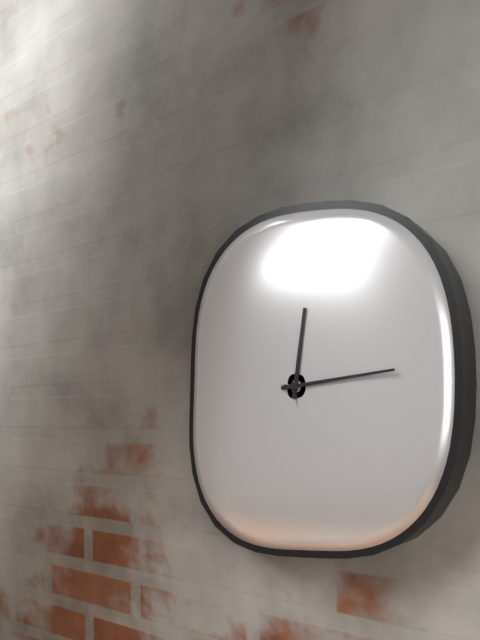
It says 12:14
